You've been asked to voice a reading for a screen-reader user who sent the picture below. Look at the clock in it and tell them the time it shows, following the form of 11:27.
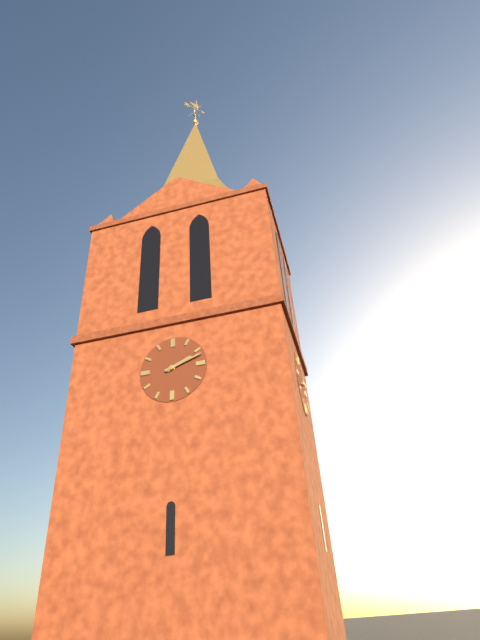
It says 2:12
